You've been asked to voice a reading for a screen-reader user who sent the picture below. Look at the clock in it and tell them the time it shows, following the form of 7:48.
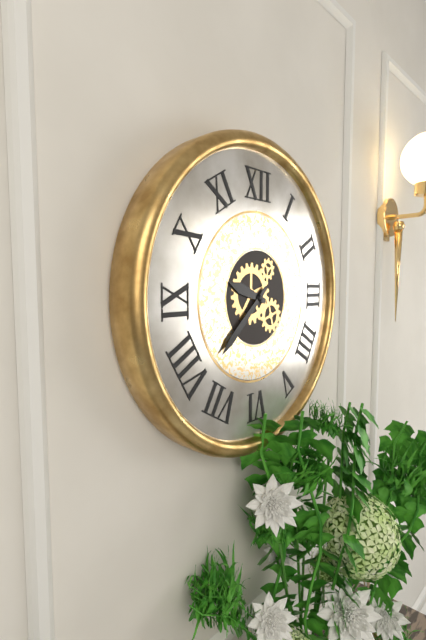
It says 9:38
